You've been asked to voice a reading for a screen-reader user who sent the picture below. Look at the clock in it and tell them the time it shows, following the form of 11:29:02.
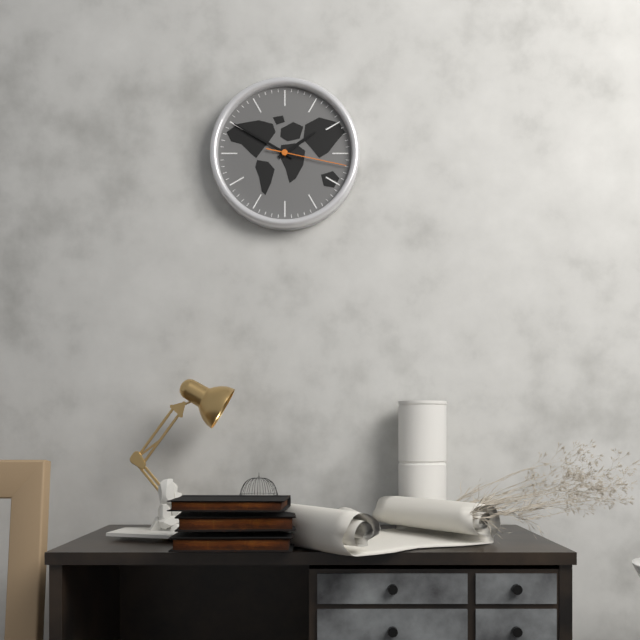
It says 1:50:17
